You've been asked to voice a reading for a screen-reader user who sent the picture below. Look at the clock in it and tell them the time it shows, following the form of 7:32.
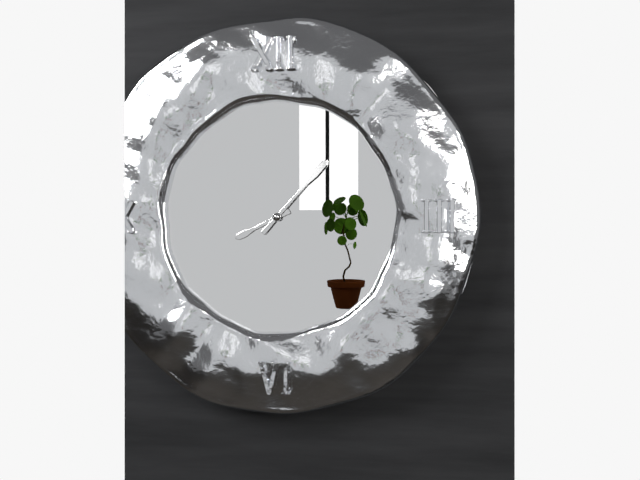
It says 8:07
